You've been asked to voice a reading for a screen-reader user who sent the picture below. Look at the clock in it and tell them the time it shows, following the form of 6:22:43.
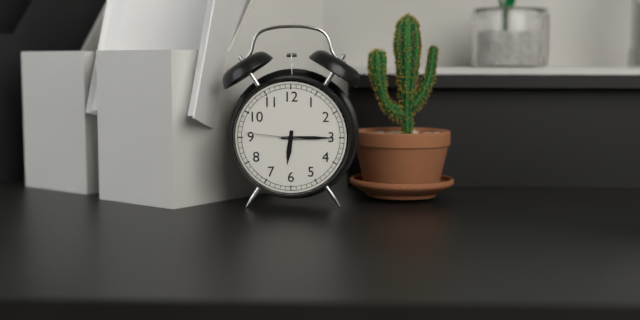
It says 6:15:46
